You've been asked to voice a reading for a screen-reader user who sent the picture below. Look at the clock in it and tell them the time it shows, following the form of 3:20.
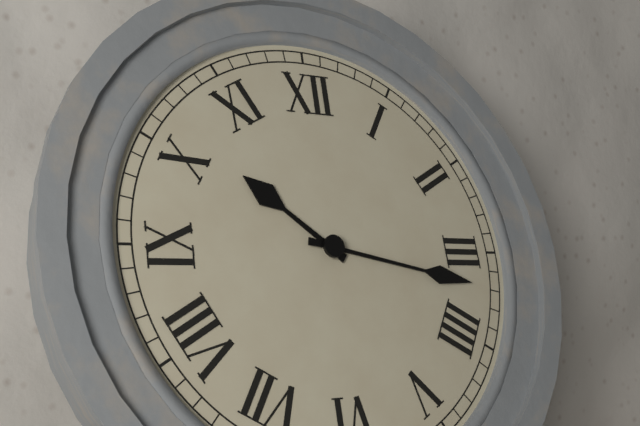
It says 10:17
